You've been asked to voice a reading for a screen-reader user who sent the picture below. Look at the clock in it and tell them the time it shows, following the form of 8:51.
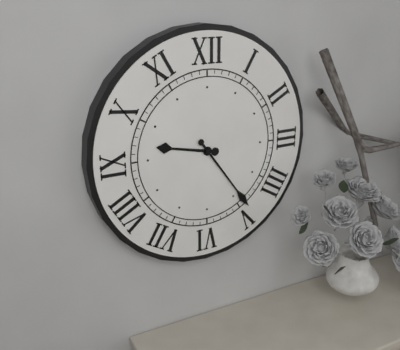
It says 9:24
